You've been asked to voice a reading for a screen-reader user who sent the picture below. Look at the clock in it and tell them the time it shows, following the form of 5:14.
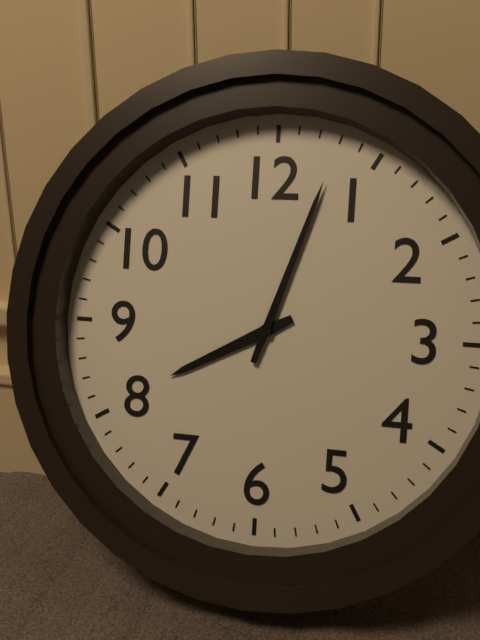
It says 8:03
